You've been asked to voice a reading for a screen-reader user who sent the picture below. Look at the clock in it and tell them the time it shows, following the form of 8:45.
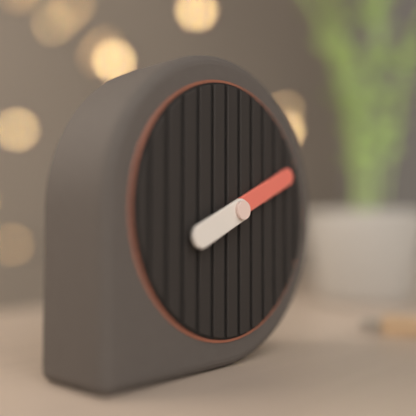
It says 8:11
